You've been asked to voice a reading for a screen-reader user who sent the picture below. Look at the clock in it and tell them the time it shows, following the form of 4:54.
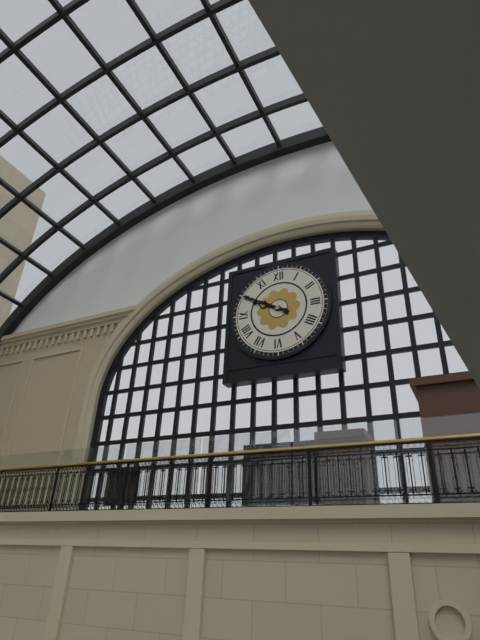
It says 9:50
